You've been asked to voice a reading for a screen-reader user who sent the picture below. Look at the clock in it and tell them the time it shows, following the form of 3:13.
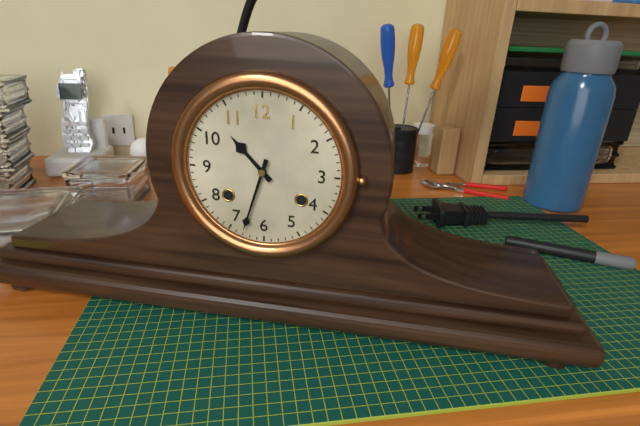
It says 10:33
